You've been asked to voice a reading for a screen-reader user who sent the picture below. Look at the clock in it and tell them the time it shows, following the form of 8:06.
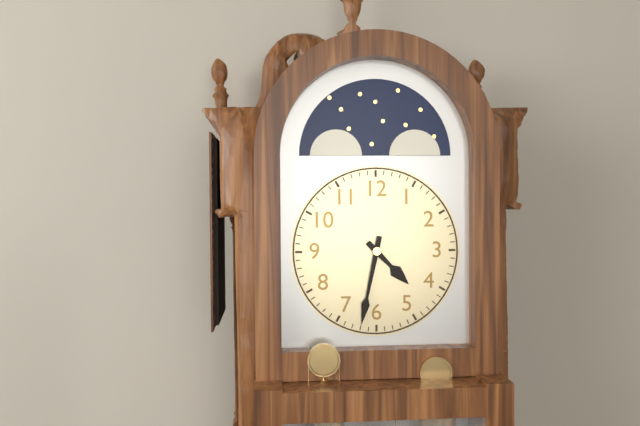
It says 4:32
